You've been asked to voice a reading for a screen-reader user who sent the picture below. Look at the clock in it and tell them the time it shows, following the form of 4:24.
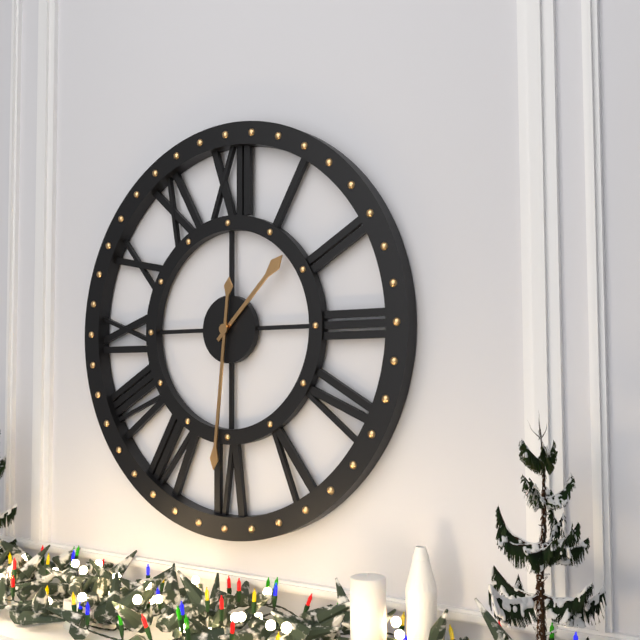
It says 1:31
